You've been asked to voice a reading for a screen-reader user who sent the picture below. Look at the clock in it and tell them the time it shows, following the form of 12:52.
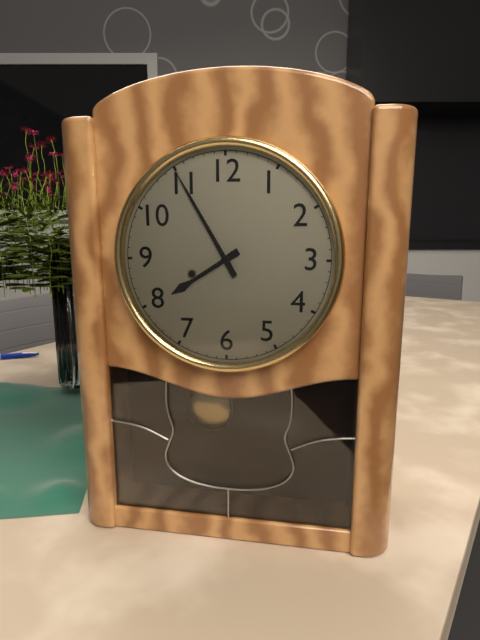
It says 7:55
